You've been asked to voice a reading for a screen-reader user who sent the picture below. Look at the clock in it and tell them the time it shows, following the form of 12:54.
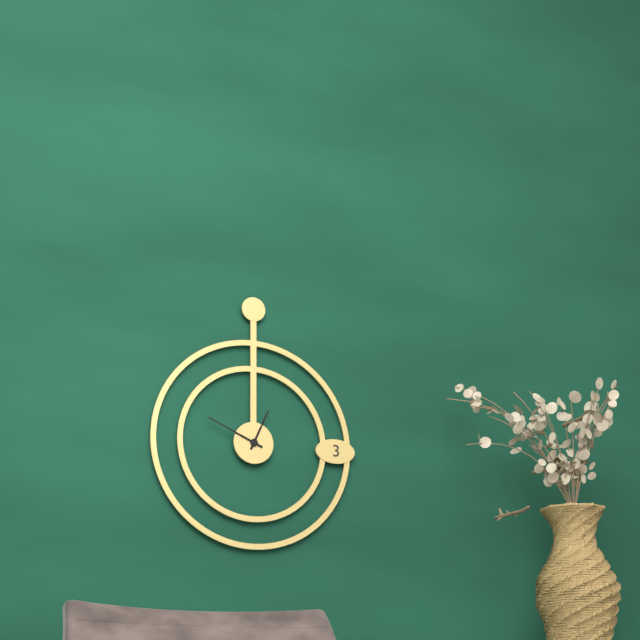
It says 12:49
